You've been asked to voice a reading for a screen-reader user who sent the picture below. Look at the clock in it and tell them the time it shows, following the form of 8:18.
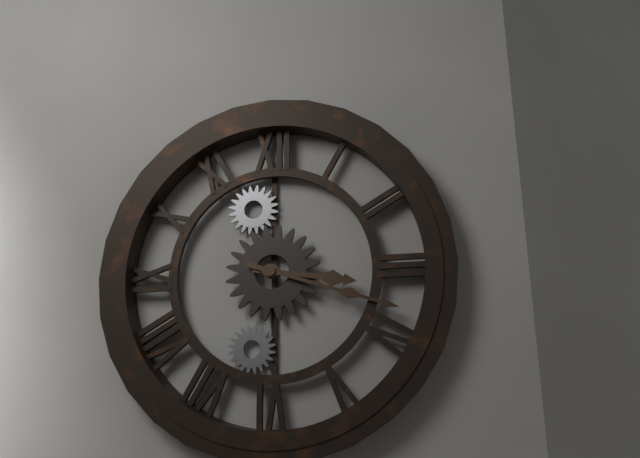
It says 3:18
